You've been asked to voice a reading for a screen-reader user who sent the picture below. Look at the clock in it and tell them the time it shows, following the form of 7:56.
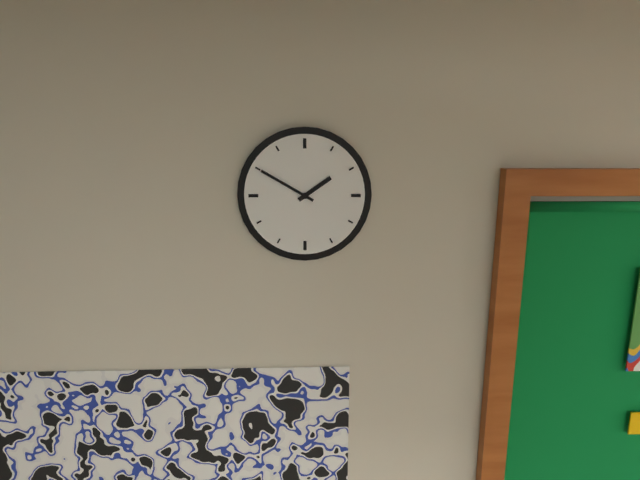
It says 1:50
